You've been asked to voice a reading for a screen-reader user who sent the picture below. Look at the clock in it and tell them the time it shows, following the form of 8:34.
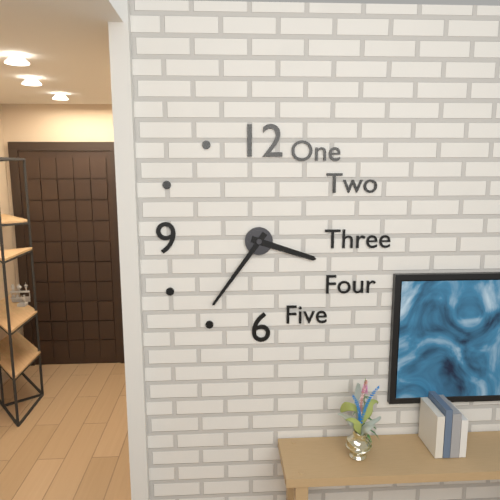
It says 3:36
